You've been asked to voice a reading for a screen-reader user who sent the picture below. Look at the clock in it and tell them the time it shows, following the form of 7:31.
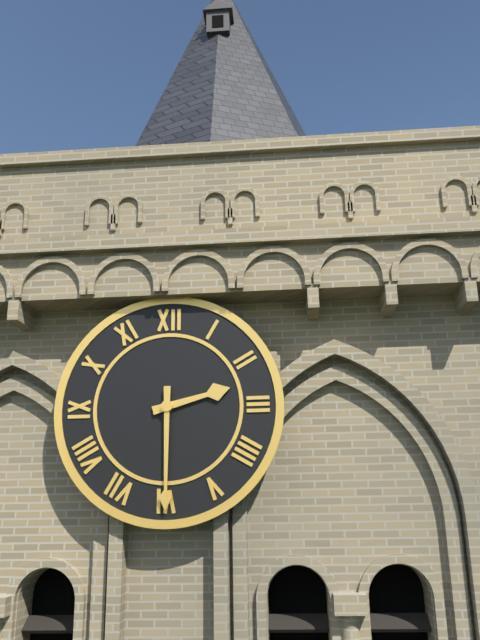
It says 2:30
